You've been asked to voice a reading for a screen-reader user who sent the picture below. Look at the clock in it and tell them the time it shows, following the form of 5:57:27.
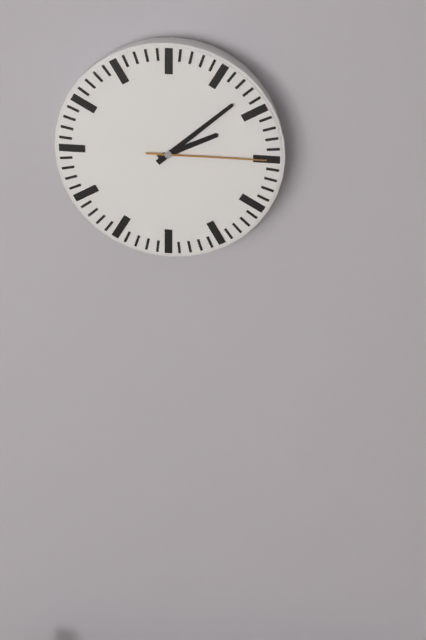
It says 2:08:15
